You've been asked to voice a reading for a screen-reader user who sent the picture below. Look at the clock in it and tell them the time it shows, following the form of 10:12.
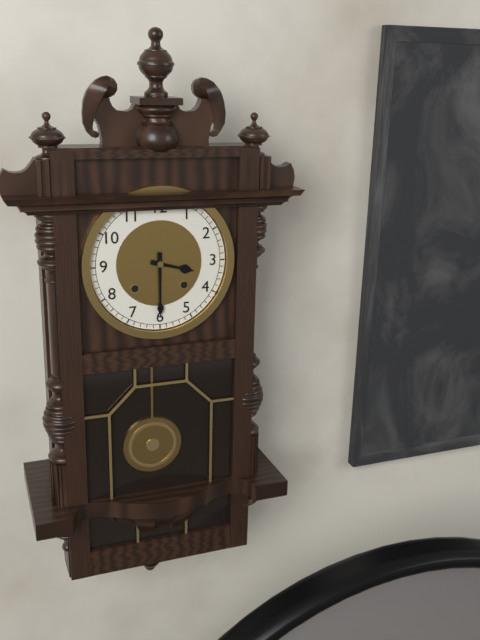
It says 3:30
